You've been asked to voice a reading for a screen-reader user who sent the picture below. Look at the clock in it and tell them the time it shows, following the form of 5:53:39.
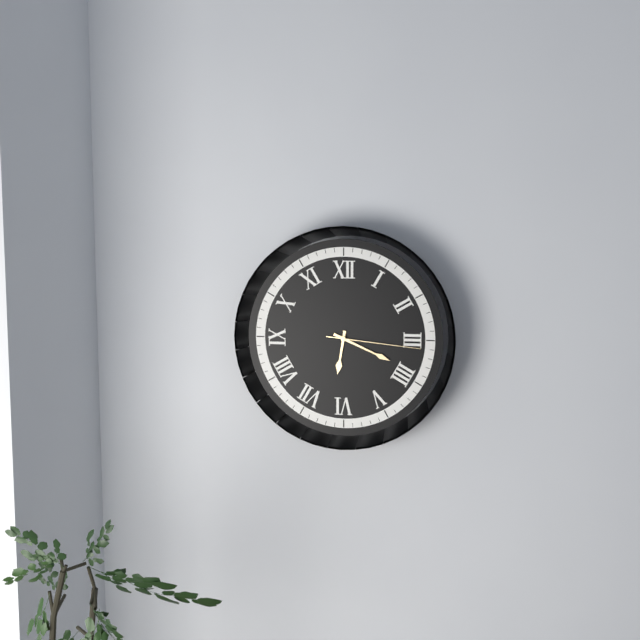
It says 6:19:16
